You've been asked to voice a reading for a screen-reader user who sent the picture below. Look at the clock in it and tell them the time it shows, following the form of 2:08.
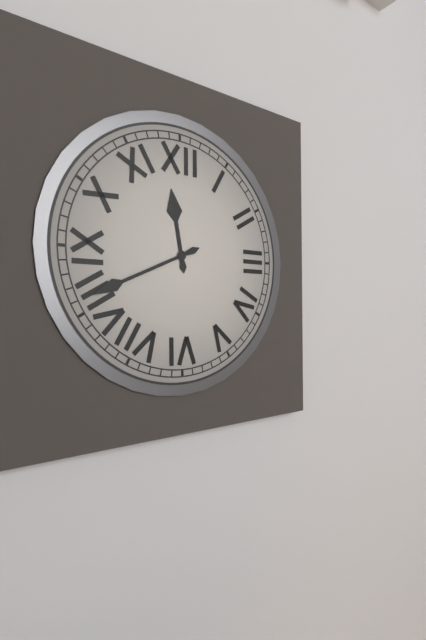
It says 11:41
